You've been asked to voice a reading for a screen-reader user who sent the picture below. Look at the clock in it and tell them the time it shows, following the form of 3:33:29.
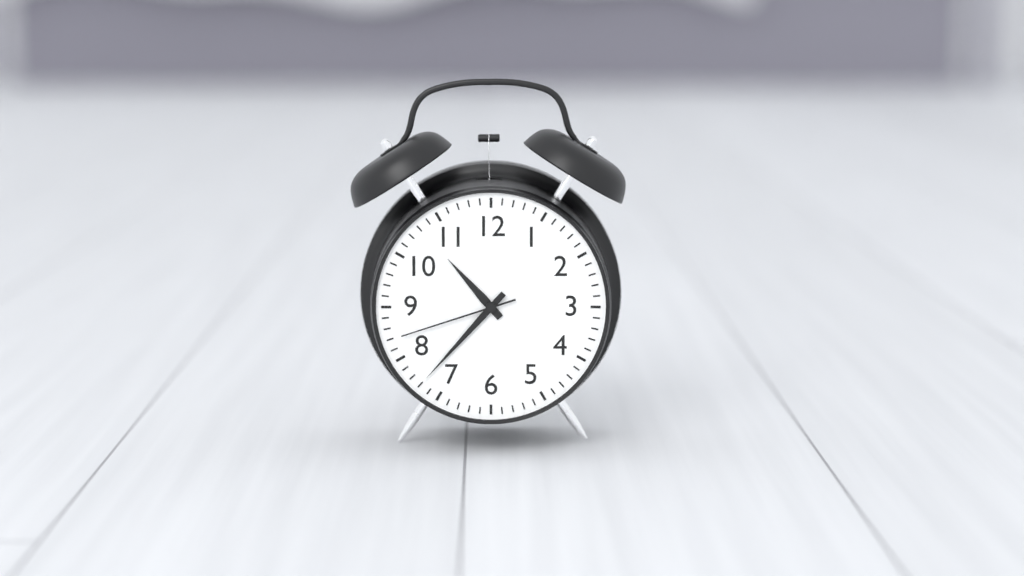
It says 10:37:42
